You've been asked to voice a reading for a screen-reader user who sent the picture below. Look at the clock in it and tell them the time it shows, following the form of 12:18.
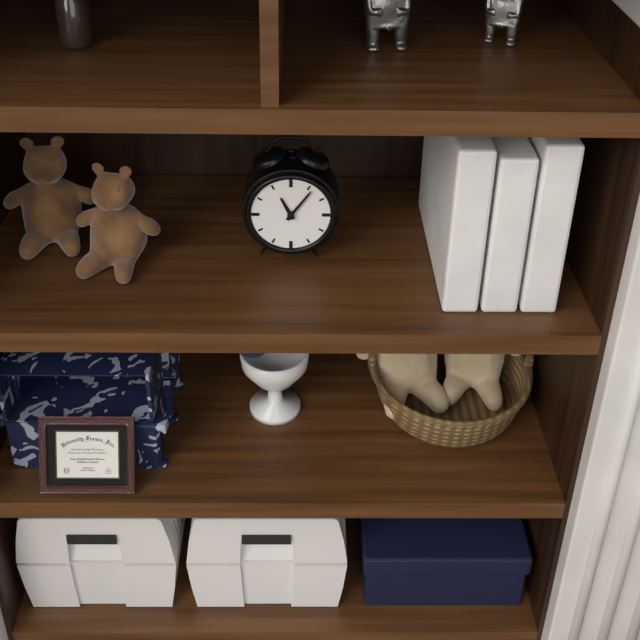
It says 11:06
